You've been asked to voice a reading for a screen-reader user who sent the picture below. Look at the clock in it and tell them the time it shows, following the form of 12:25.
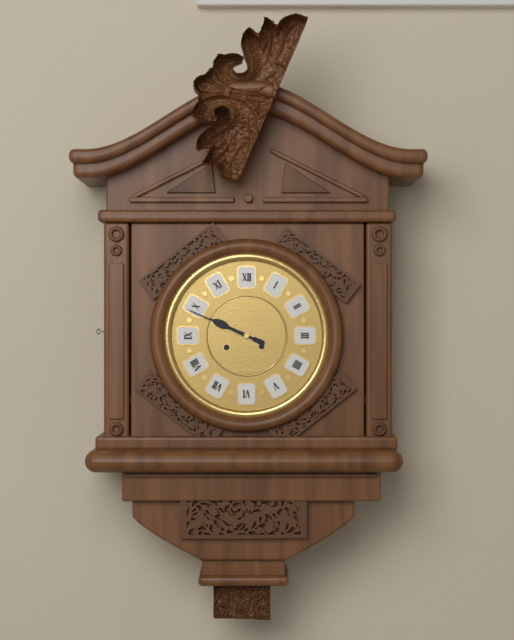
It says 9:49
